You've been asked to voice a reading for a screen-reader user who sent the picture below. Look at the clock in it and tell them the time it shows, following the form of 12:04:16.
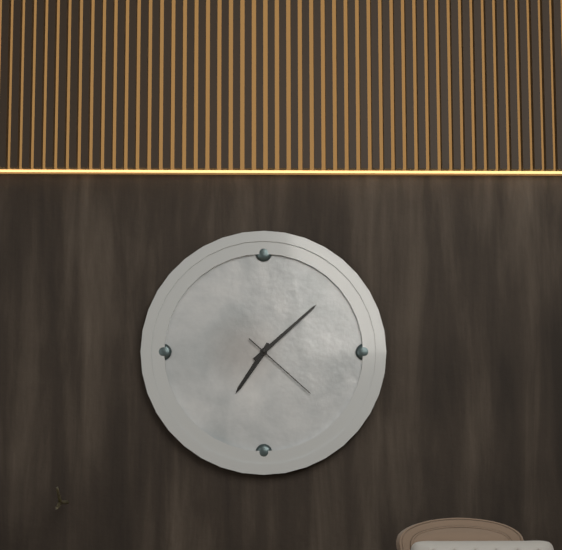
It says 7:08:22
